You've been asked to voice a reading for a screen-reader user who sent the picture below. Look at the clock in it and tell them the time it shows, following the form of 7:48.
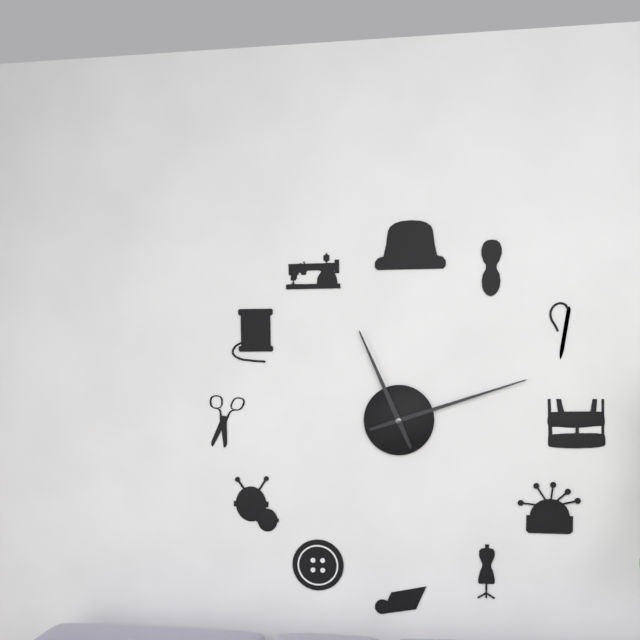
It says 11:12
